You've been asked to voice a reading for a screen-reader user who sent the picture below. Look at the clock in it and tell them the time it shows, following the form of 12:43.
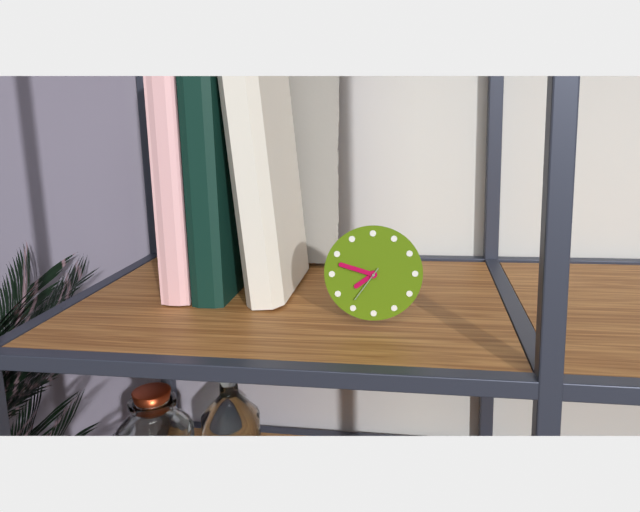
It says 7:48
